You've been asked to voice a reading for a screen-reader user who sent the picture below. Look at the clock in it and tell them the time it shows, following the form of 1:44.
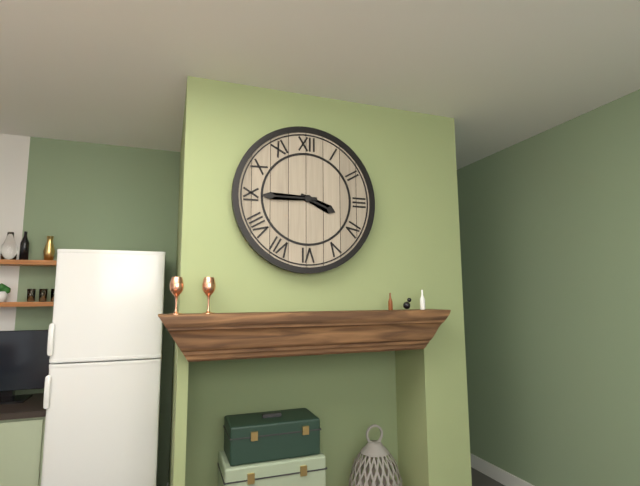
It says 3:45
